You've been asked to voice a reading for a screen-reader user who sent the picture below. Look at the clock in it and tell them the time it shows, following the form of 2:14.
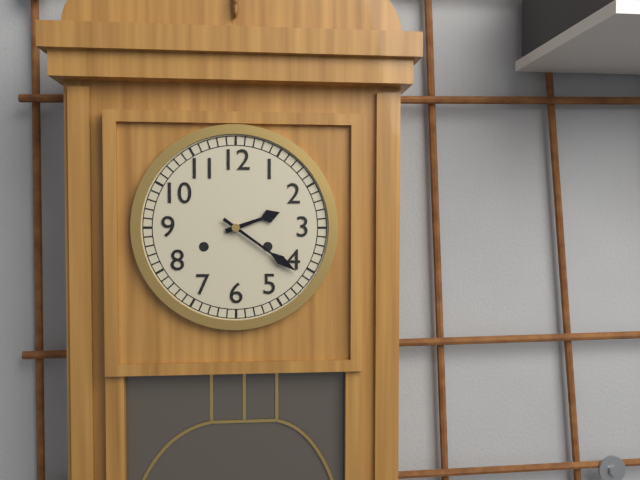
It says 2:21
